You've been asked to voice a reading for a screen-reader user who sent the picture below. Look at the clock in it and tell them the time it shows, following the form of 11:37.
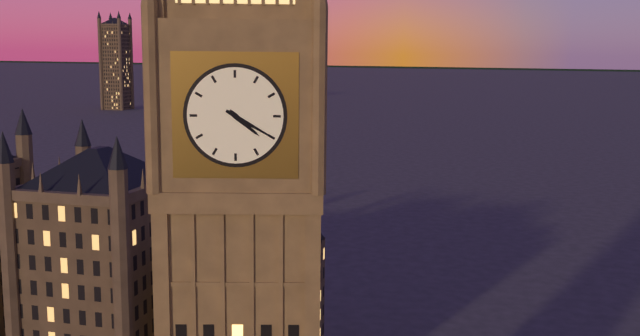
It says 4:20
